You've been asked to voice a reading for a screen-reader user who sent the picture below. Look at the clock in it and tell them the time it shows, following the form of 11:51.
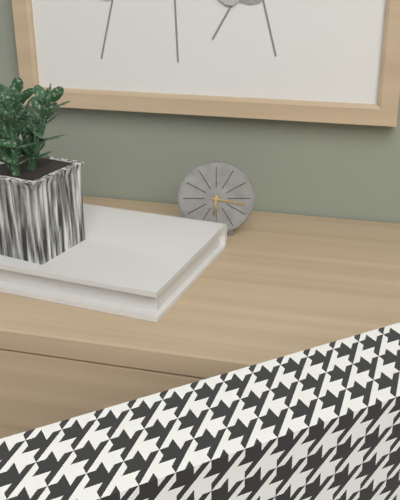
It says 6:17
